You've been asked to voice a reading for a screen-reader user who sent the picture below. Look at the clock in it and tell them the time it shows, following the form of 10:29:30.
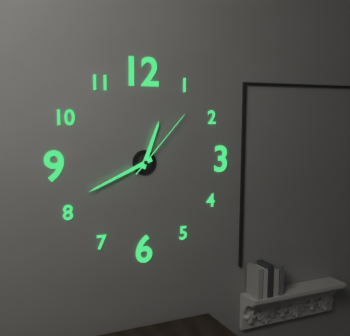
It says 12:41:07
